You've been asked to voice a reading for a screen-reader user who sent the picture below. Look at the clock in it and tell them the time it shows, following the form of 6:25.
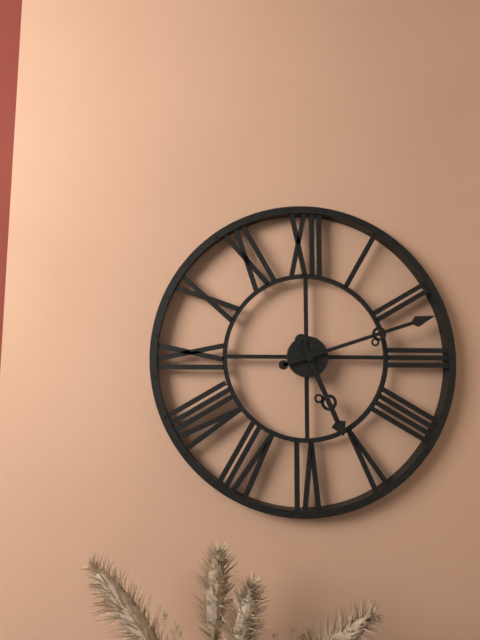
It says 5:12
